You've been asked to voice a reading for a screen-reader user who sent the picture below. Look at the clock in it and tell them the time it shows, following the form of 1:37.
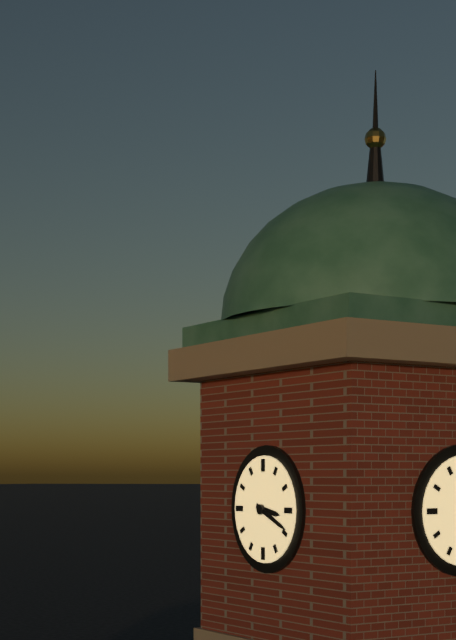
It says 3:19
